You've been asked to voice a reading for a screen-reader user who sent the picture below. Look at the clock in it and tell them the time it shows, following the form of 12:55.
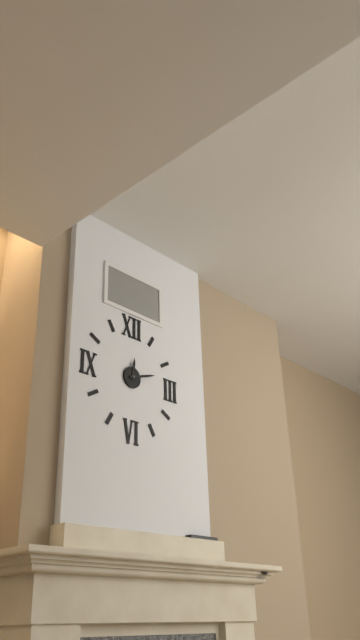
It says 12:12
